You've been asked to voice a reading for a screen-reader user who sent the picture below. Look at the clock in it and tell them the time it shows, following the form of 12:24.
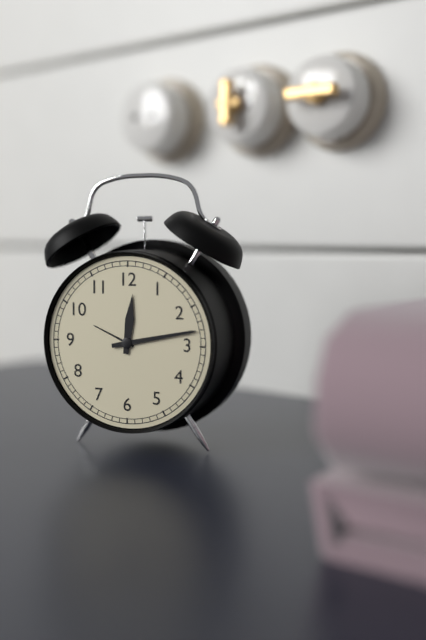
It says 12:13
